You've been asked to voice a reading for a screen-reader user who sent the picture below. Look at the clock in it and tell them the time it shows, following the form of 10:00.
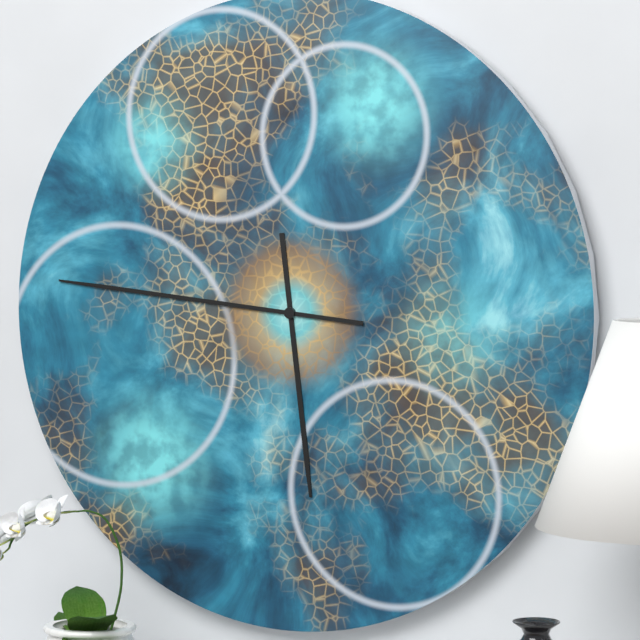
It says 5:46
